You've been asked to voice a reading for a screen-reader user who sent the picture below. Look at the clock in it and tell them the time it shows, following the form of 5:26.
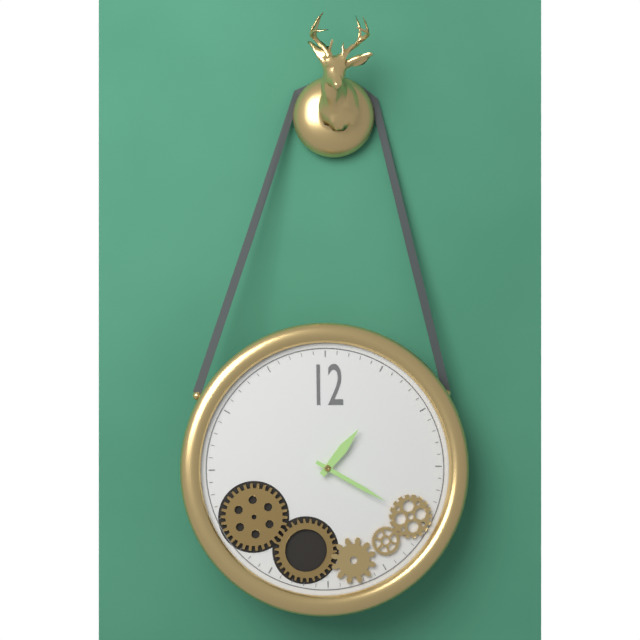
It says 1:20
